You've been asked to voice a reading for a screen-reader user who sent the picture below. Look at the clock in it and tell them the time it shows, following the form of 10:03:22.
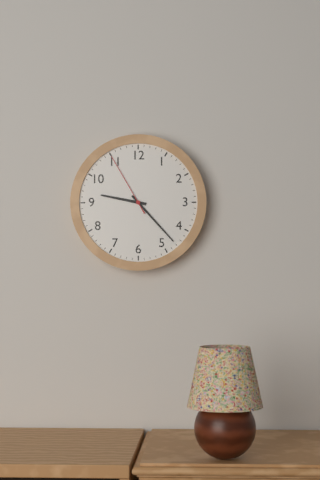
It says 9:23:55
